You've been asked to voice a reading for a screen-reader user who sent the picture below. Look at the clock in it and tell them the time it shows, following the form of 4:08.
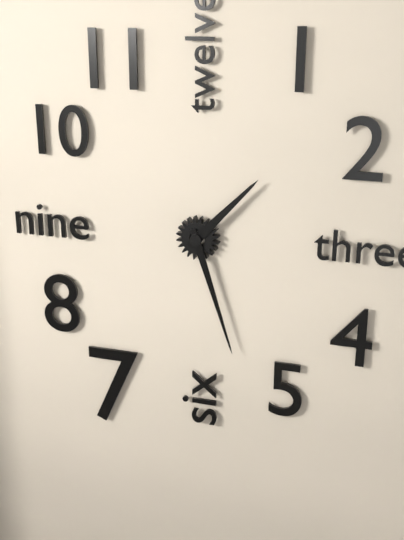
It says 1:27
